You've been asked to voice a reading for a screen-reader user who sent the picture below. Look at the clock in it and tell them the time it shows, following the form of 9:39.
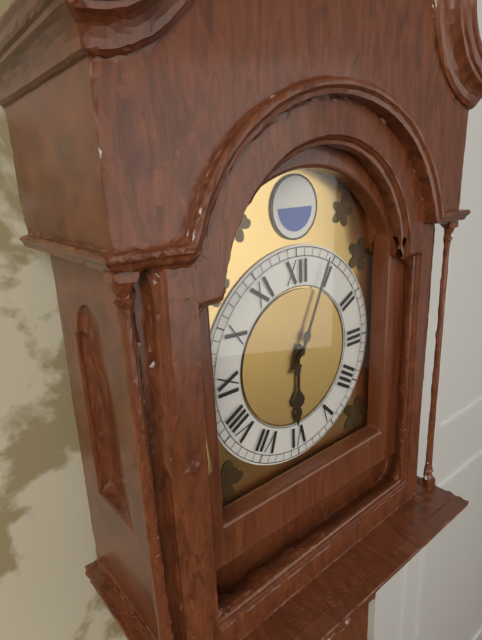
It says 6:04
